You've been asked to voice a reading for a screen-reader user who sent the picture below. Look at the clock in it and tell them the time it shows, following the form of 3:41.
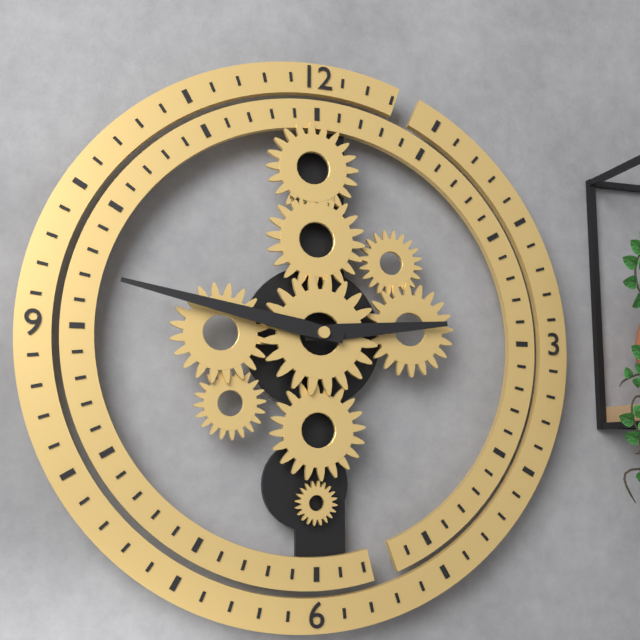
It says 2:47
